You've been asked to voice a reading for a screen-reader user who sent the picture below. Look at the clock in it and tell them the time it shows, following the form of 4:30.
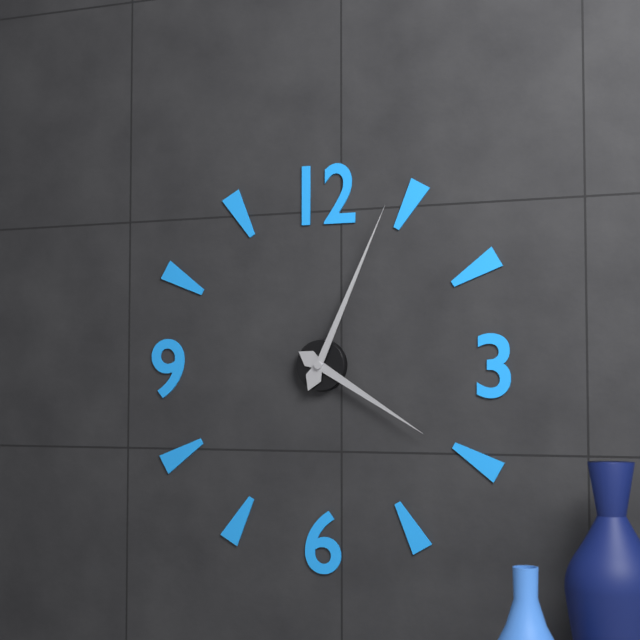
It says 4:04
